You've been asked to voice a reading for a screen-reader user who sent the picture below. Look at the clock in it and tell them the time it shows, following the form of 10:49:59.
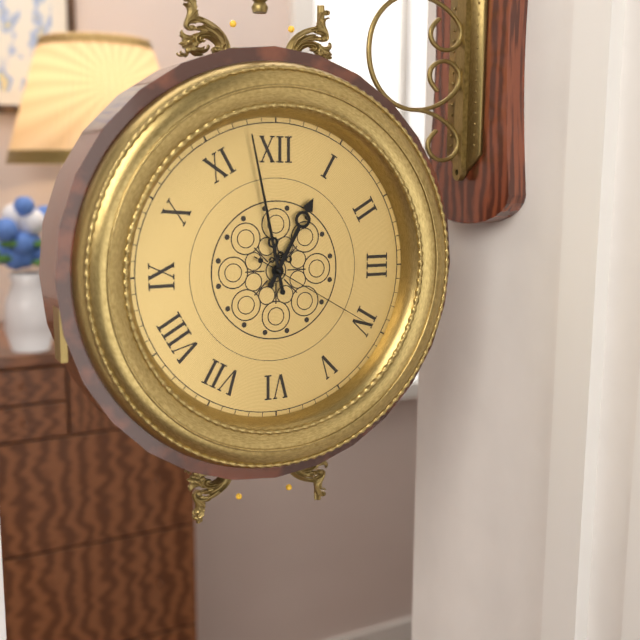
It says 12:58:20
